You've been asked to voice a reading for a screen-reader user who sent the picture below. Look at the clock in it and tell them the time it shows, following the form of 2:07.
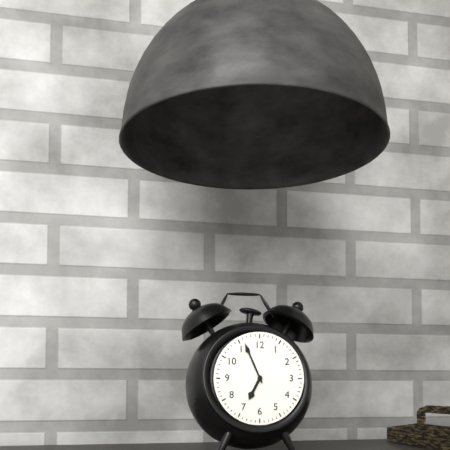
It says 6:56
